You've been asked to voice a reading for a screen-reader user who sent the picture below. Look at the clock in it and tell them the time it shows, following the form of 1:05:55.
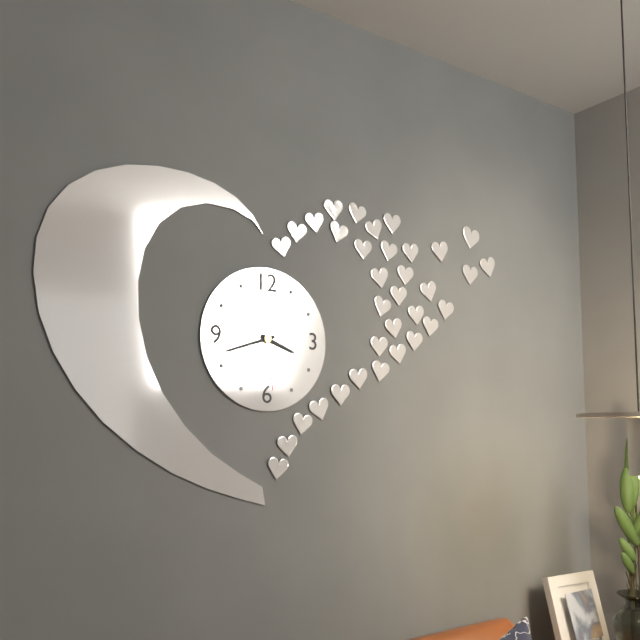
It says 3:42:29
